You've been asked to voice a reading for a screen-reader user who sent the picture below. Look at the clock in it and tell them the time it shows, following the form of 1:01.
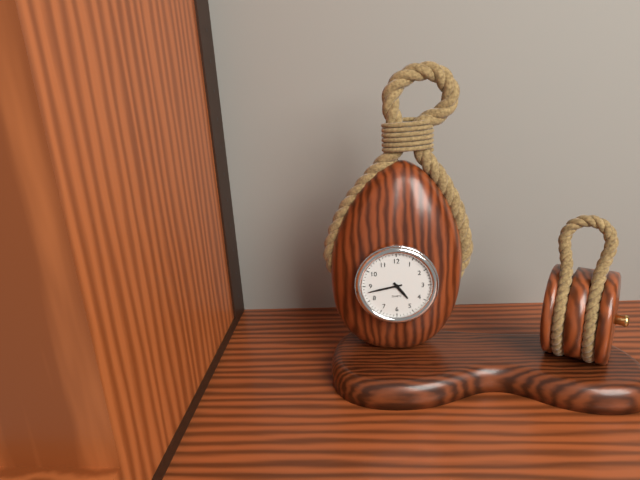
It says 4:43
